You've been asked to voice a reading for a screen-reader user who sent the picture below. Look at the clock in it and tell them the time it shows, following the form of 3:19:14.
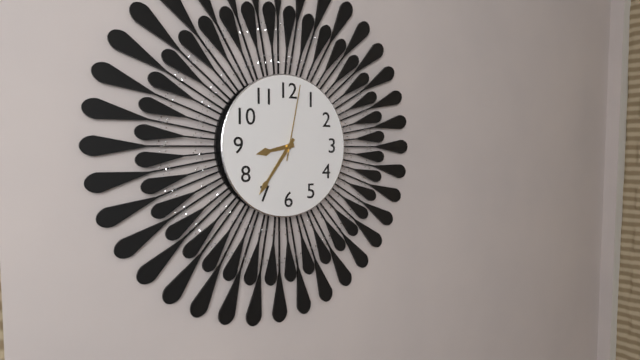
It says 8:36:02
